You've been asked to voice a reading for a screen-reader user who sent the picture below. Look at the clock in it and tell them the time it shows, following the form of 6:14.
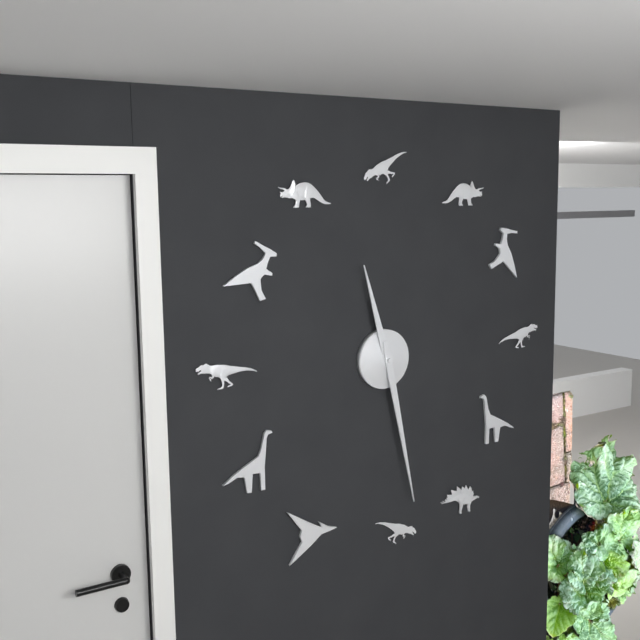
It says 11:28
